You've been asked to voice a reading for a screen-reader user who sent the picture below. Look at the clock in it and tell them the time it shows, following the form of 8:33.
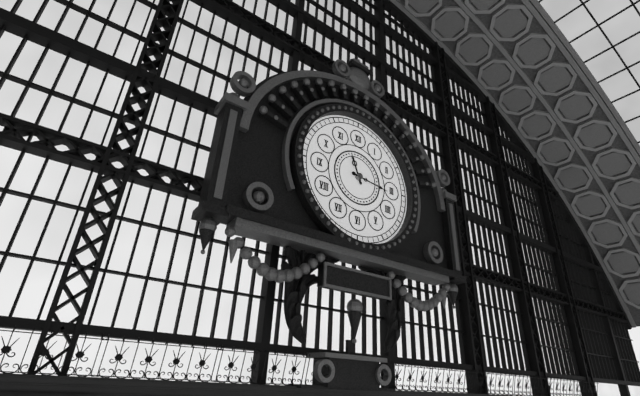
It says 11:16
